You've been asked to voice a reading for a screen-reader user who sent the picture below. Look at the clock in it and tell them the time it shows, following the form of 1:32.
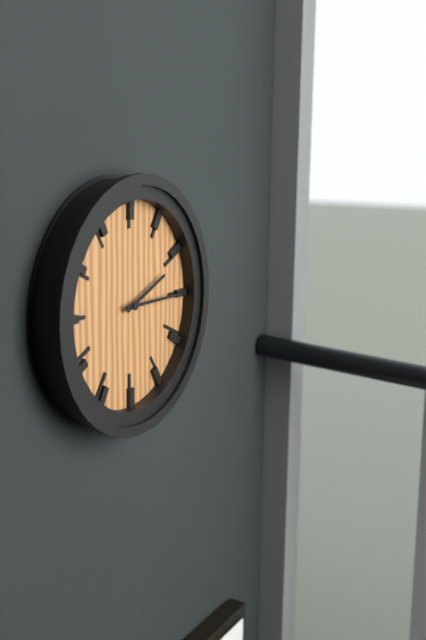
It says 2:15
